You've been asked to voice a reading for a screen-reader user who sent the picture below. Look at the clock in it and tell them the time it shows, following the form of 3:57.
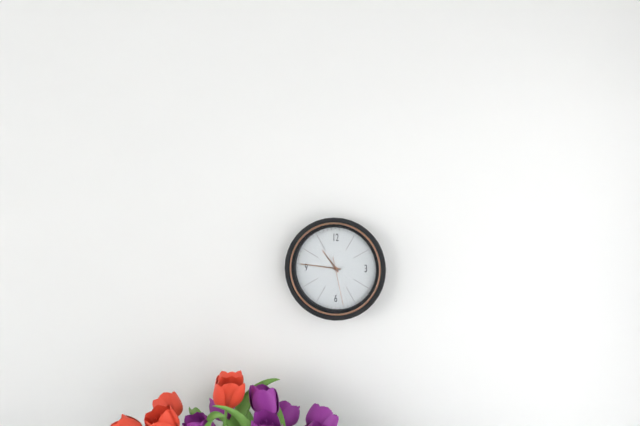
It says 10:46
